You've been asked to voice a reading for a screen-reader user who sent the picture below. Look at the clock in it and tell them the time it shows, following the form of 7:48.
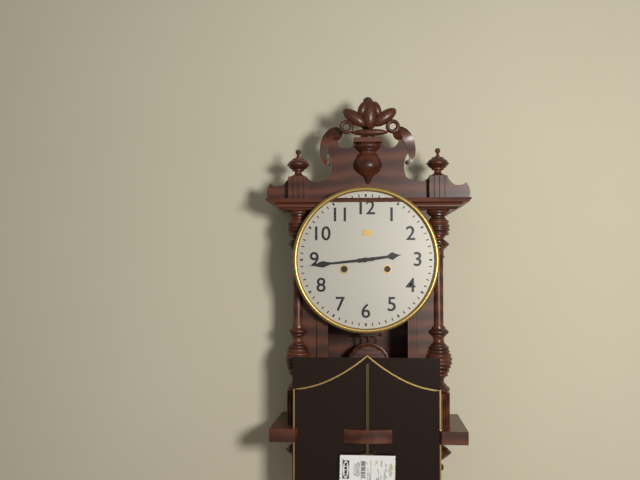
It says 2:44
